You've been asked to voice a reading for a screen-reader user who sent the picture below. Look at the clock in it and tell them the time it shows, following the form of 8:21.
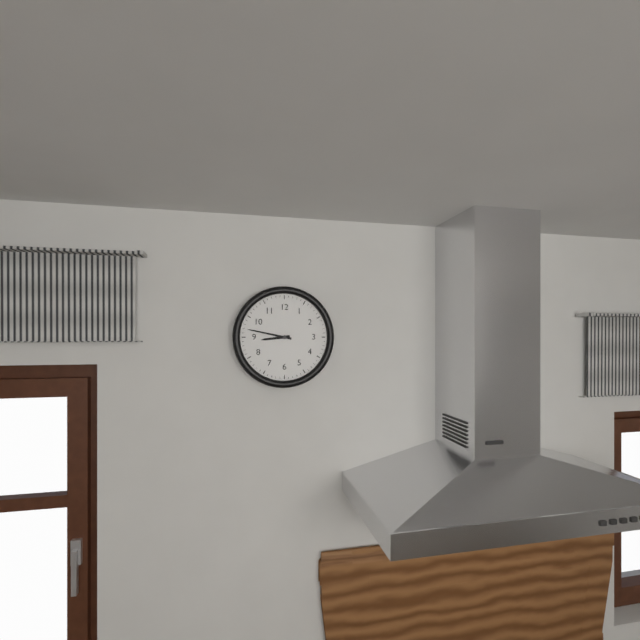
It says 8:47
